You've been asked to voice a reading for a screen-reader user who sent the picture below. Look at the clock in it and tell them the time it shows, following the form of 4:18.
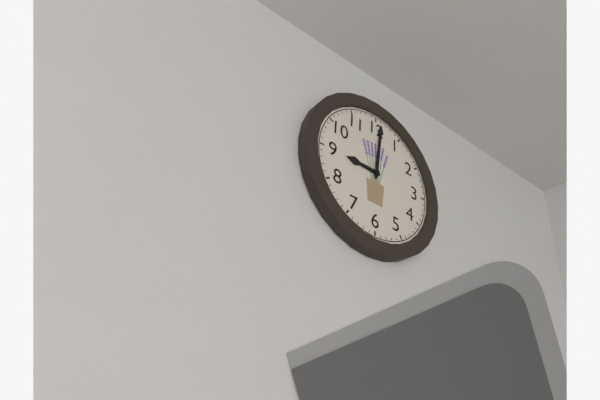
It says 9:01
